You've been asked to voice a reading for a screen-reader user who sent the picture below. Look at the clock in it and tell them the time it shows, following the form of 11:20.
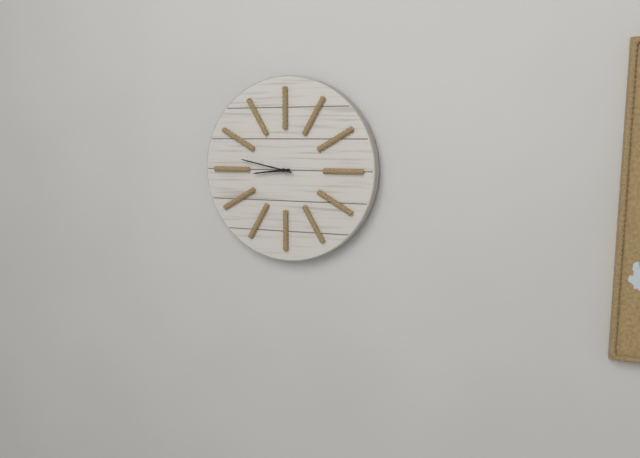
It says 8:47
